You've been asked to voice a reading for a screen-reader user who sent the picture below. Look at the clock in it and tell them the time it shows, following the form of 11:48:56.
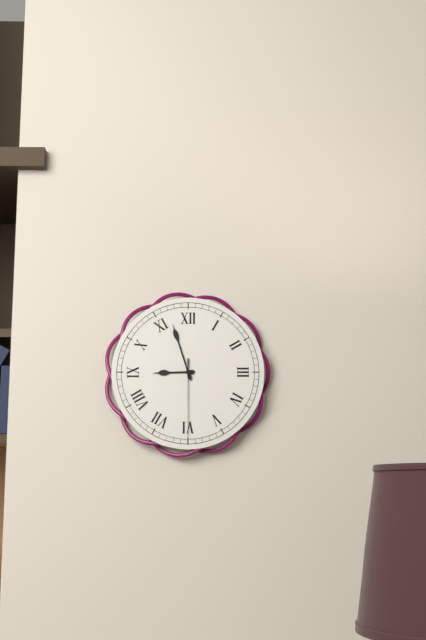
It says 8:57:30
